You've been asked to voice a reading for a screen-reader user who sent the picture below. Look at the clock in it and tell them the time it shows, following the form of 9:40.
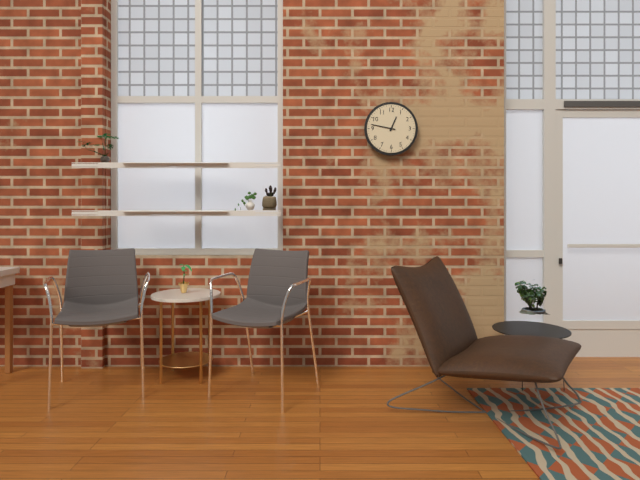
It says 12:47
